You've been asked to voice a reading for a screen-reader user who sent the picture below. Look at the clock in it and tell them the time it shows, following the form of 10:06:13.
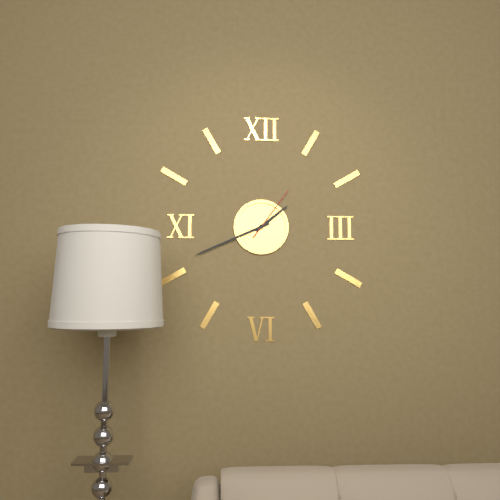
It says 1:41:06
